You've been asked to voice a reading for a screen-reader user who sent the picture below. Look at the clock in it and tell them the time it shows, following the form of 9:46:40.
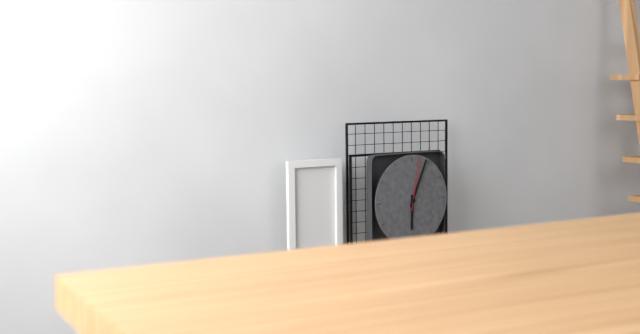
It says 6:04:02
